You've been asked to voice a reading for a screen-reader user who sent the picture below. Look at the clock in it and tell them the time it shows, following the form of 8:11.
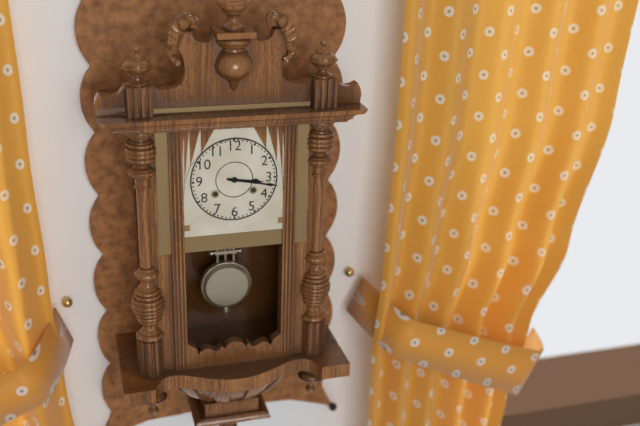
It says 3:17
